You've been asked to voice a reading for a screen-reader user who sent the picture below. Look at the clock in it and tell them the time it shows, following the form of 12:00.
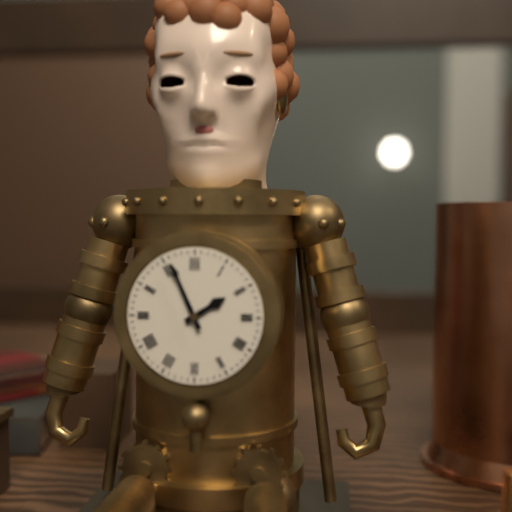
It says 1:56
